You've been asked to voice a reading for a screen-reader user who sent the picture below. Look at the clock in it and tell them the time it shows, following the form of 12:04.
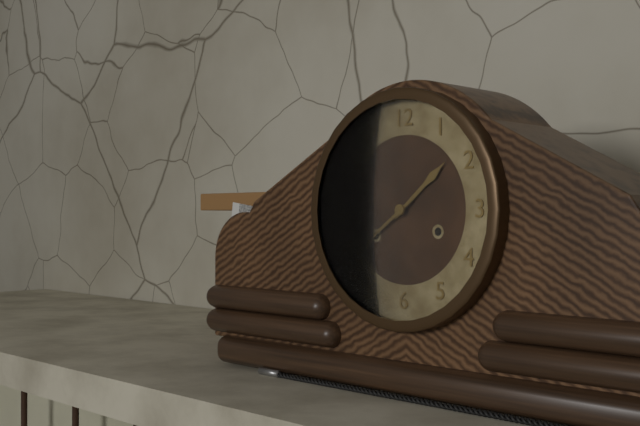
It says 1:39
